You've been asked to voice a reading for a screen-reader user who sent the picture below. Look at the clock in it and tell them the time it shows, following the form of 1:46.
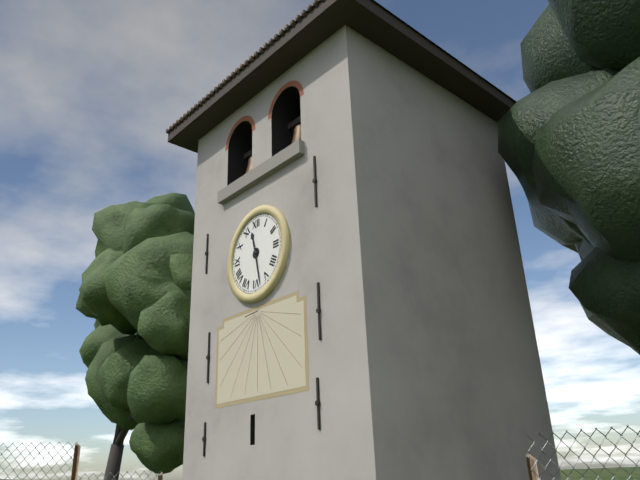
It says 11:28
